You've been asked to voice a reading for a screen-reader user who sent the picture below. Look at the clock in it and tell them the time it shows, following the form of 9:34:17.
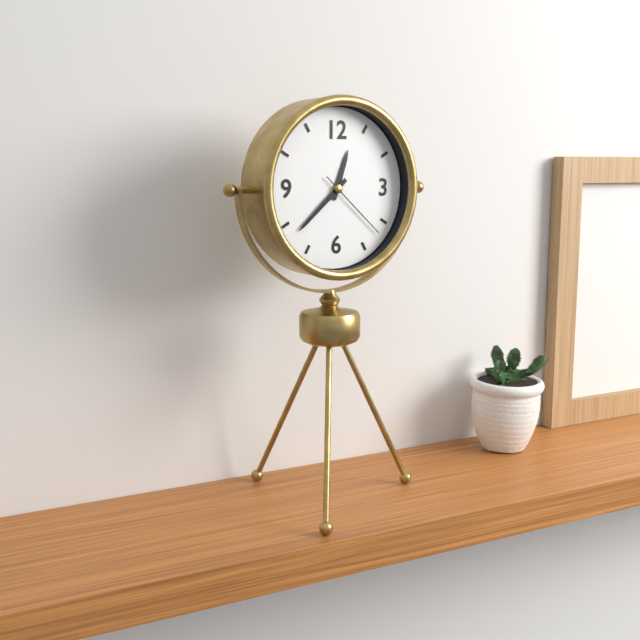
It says 12:38:22
